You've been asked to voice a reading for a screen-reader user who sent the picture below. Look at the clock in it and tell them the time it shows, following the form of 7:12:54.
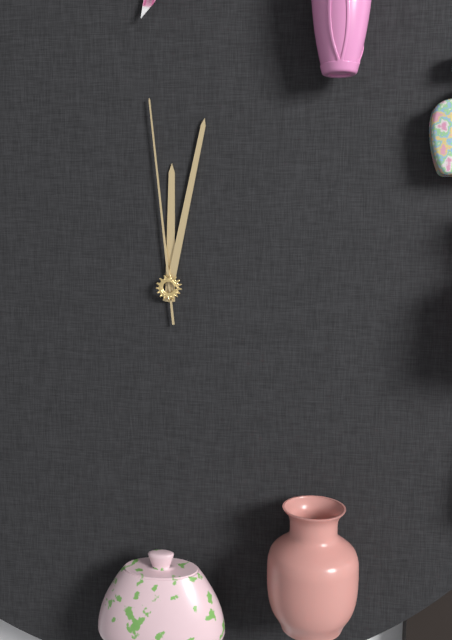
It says 12:02:59
